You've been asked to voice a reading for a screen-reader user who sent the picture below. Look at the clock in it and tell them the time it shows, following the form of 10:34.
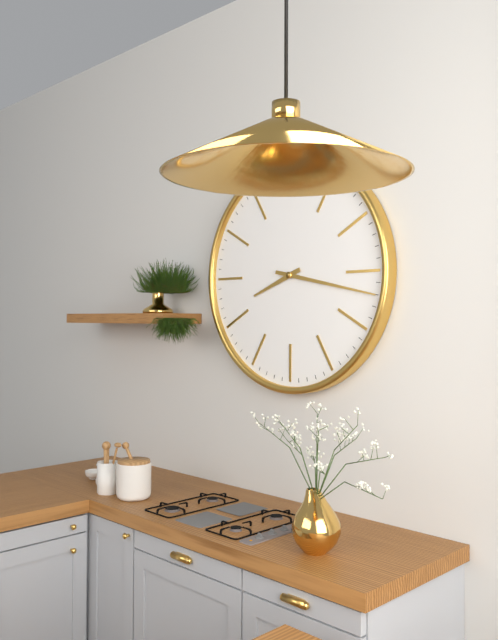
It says 8:17
